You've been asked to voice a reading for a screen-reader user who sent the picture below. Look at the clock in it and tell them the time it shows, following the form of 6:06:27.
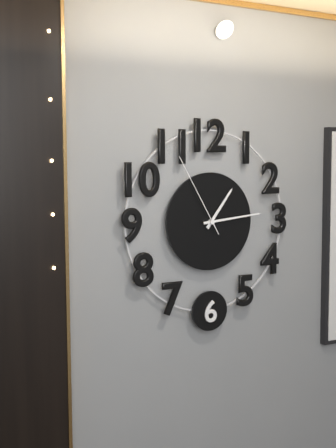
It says 1:14:55
